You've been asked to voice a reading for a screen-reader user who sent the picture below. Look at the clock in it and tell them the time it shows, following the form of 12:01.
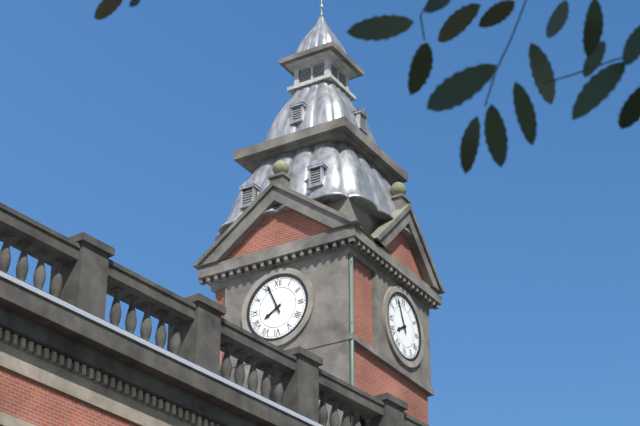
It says 7:56
